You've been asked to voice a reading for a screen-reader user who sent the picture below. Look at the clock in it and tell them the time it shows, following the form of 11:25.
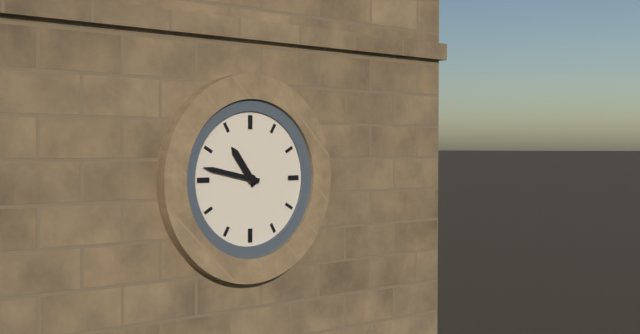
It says 10:47
